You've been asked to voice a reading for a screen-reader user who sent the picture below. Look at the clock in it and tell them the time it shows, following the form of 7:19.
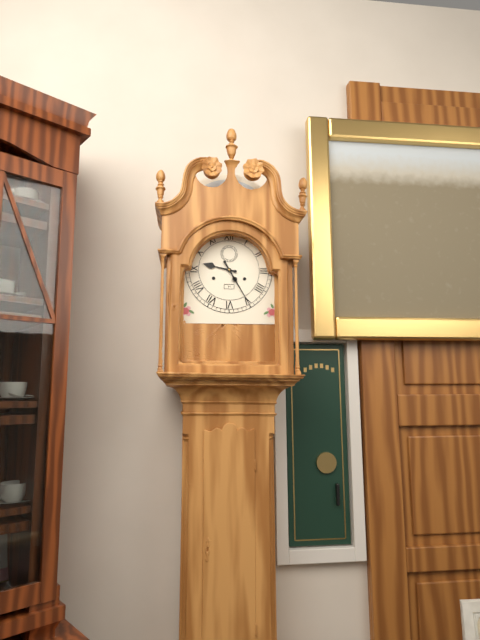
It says 9:25
